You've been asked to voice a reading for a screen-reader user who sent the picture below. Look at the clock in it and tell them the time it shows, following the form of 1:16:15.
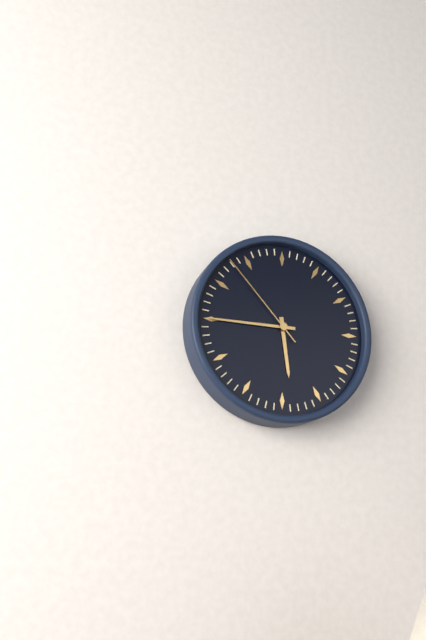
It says 5:45:53
